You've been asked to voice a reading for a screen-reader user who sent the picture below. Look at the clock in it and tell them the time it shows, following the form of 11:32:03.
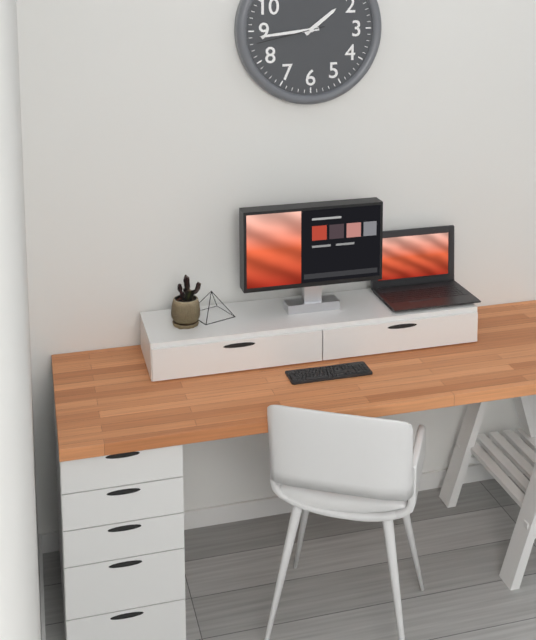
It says 1:44:43
